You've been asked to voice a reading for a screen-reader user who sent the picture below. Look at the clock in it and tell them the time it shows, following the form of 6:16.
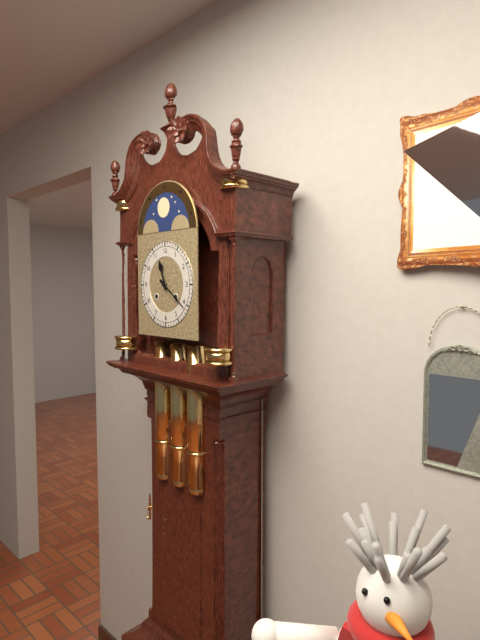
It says 11:21
